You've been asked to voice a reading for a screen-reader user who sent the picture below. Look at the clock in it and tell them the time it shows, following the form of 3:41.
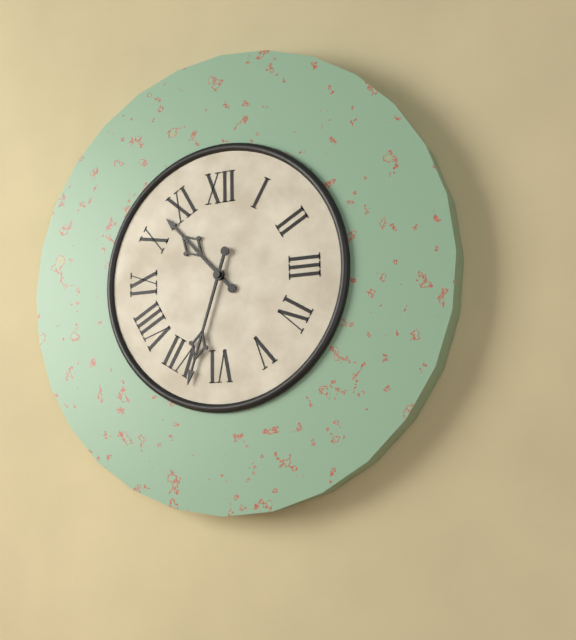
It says 10:33
